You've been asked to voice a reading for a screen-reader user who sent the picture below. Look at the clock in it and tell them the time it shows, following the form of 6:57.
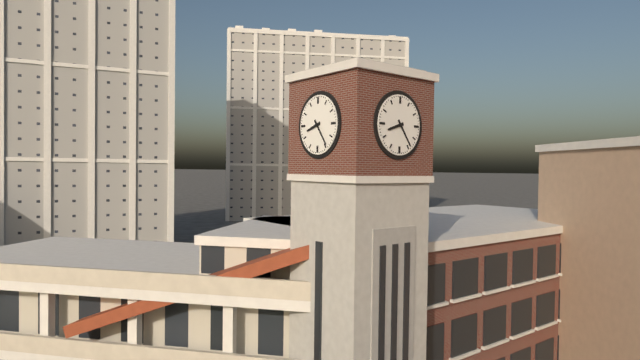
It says 8:24
